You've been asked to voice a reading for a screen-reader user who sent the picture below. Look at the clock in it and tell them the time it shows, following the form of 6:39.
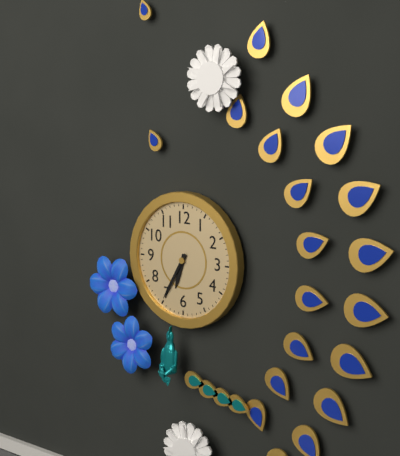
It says 6:35
